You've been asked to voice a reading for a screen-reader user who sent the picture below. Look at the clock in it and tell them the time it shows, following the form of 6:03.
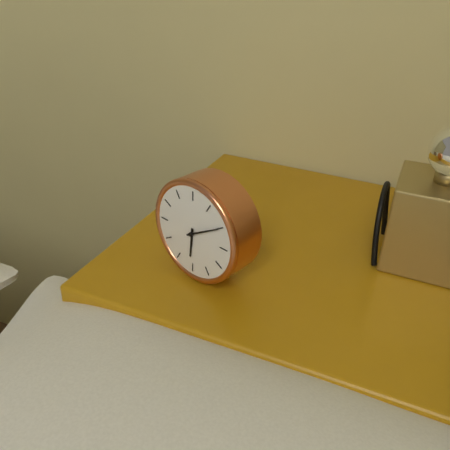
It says 6:10
